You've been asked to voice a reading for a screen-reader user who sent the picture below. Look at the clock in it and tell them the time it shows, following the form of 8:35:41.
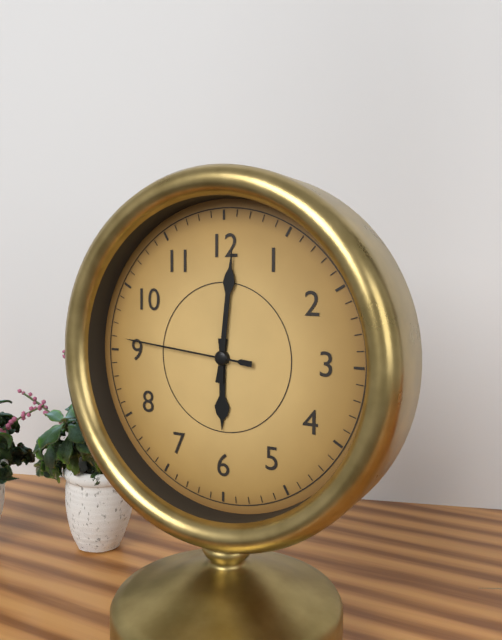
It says 6:01:46
